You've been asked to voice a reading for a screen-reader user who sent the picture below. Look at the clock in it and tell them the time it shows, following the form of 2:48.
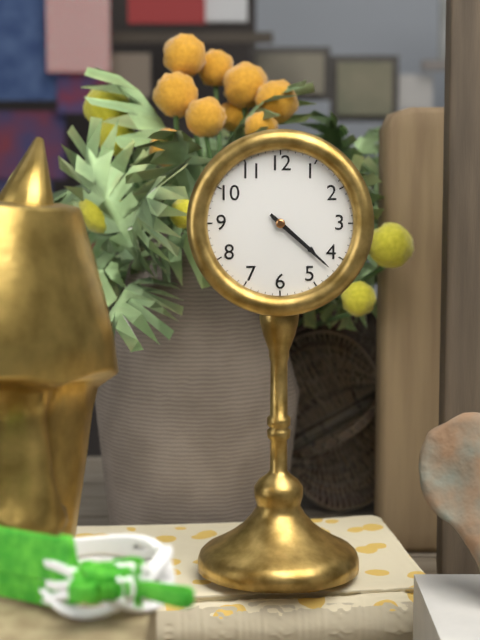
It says 4:22
